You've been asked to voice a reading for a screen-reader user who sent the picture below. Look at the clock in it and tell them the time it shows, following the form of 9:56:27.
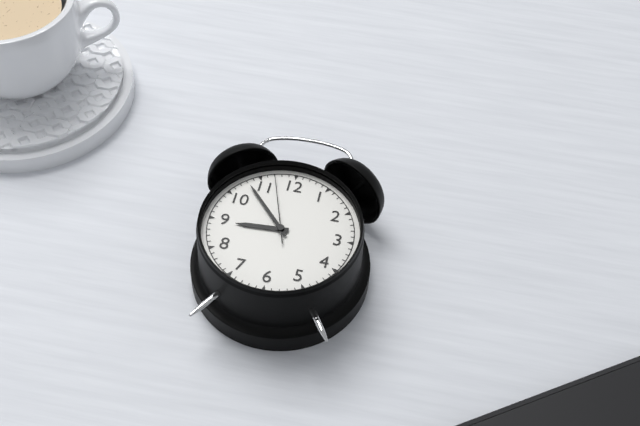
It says 8:53:57
